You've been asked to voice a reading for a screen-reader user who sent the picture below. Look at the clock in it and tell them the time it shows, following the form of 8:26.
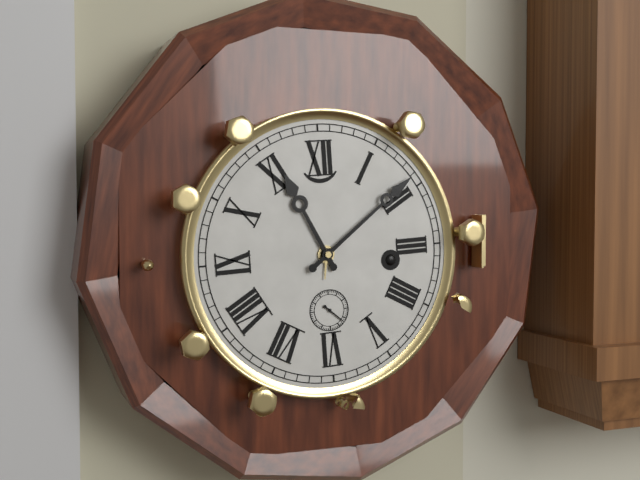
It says 11:09
